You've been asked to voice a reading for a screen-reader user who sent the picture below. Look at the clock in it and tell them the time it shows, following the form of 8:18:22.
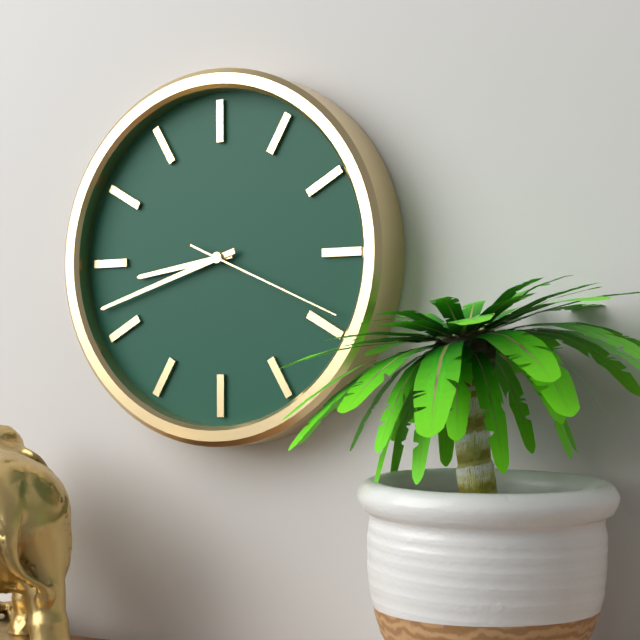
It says 8:42:19
